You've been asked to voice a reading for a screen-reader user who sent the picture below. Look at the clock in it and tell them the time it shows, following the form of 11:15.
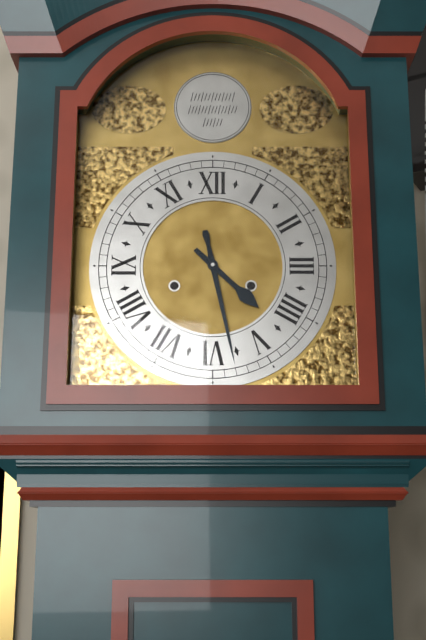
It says 4:28
